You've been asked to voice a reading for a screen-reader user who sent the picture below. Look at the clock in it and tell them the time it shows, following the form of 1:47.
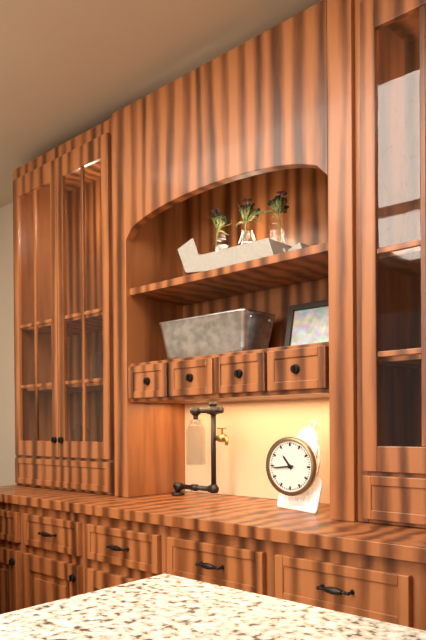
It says 10:44
